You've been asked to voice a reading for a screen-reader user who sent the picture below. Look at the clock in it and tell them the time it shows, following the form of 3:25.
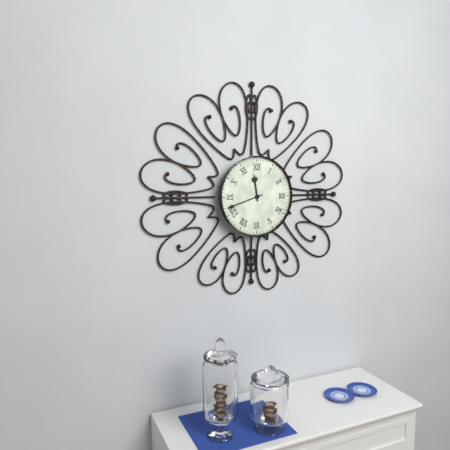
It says 11:42
